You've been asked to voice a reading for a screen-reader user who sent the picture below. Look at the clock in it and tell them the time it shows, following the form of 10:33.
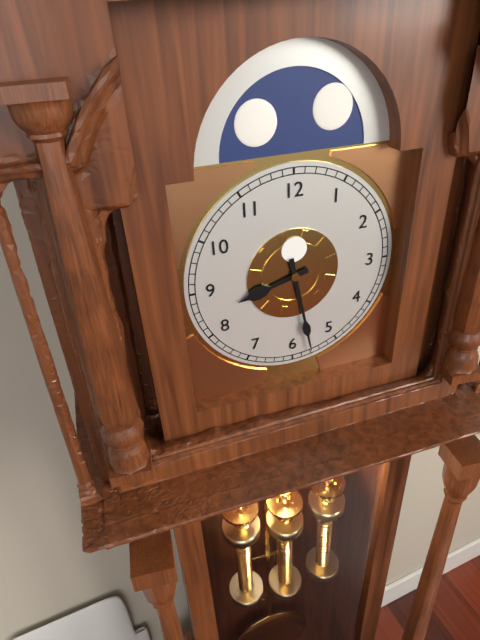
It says 8:28
